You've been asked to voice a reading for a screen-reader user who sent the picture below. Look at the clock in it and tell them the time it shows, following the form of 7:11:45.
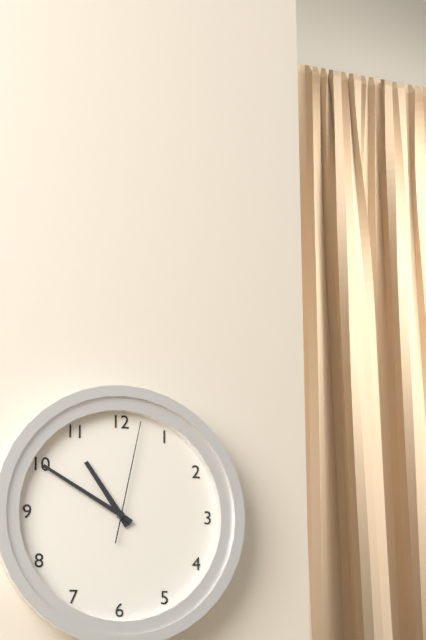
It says 10:50:02
